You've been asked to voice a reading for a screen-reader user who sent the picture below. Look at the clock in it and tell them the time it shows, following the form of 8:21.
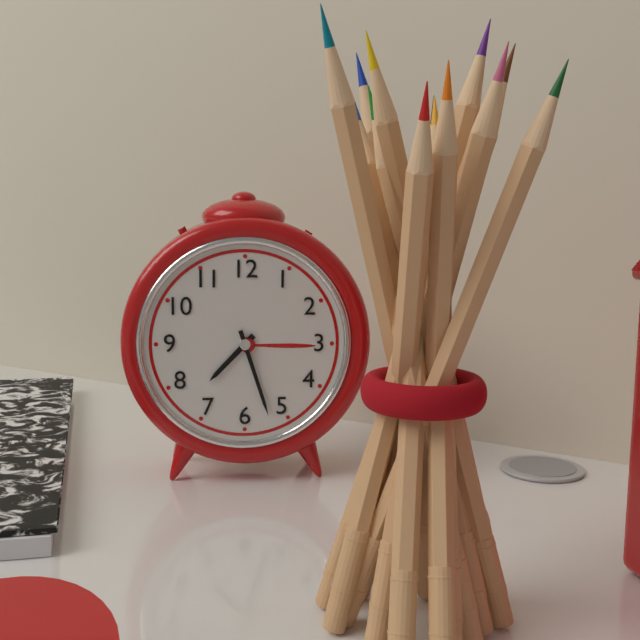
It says 7:27
